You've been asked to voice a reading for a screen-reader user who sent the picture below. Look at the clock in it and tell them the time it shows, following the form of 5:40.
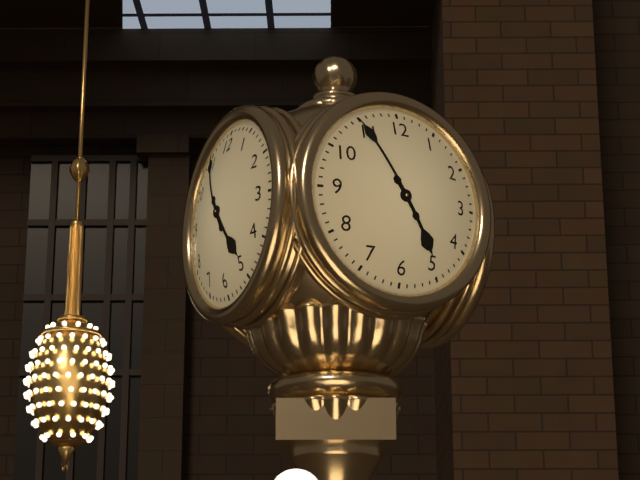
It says 4:55
